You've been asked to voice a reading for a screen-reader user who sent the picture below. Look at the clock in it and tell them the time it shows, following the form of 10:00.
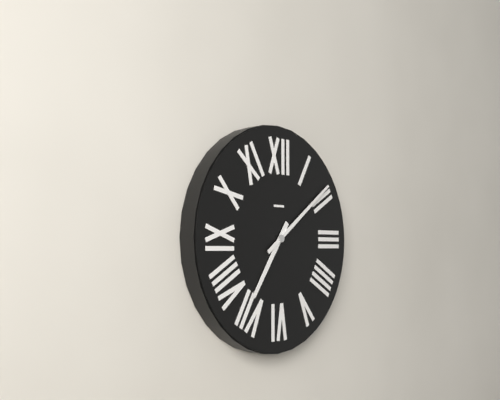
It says 7:09
